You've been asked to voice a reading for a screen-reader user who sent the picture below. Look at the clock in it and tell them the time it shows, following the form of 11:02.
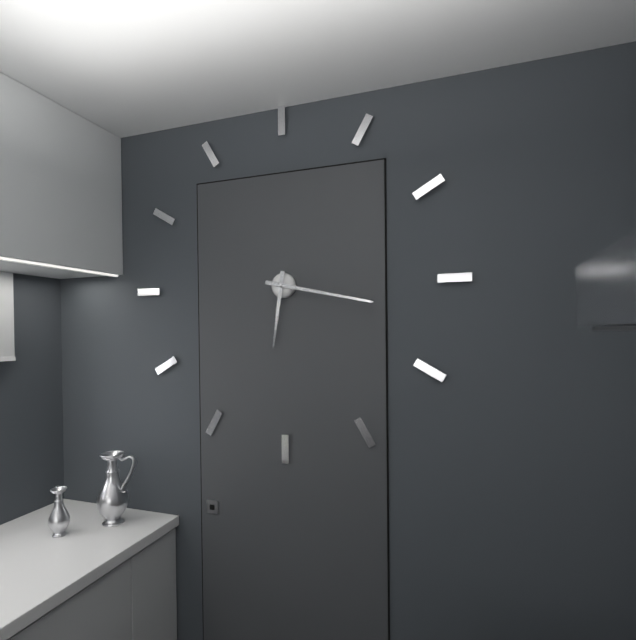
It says 6:17
